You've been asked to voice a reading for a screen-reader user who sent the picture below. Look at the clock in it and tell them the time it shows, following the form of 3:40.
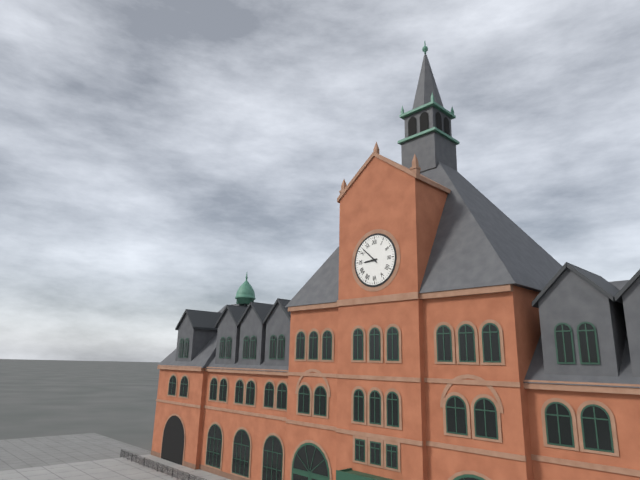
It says 8:52
